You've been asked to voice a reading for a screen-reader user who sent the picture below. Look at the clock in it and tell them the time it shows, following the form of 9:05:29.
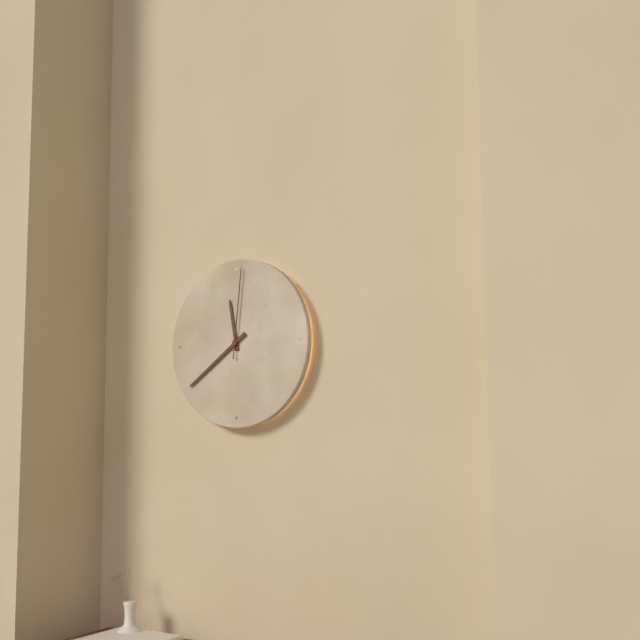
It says 11:39:01
